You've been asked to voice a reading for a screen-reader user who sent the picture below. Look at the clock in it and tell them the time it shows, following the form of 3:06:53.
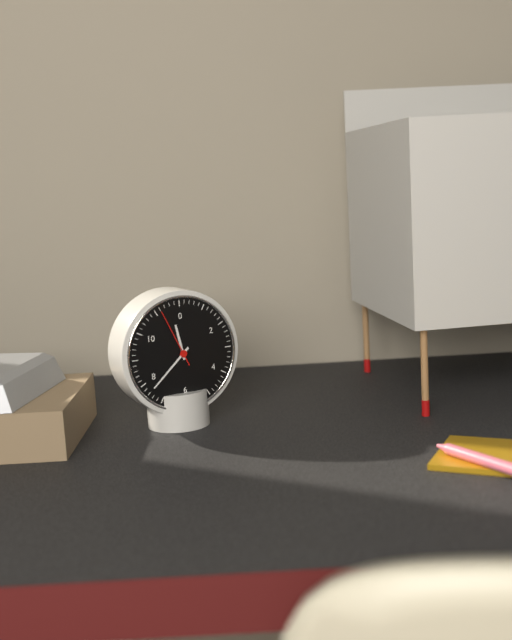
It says 11:38:56
